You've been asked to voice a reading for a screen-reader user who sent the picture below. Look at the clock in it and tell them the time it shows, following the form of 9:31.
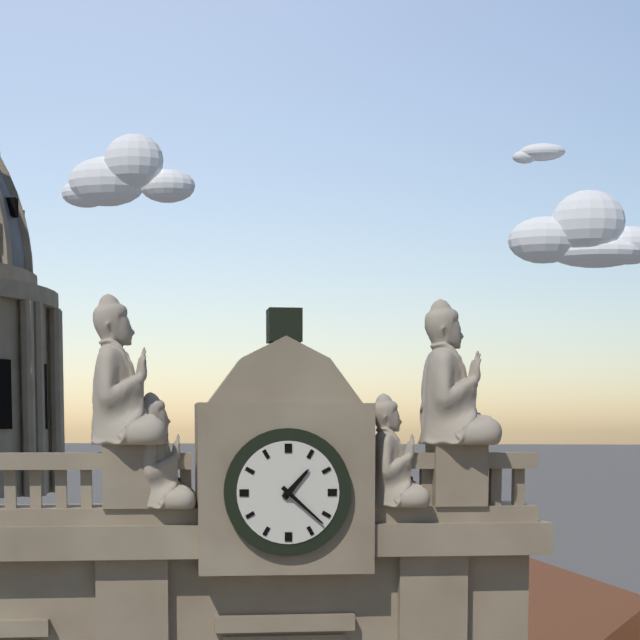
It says 1:22
